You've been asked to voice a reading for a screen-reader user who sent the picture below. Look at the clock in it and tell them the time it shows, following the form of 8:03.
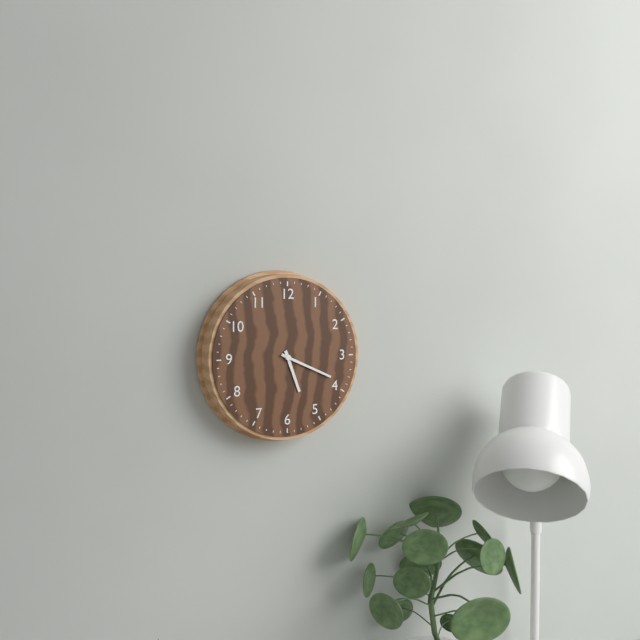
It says 5:19
